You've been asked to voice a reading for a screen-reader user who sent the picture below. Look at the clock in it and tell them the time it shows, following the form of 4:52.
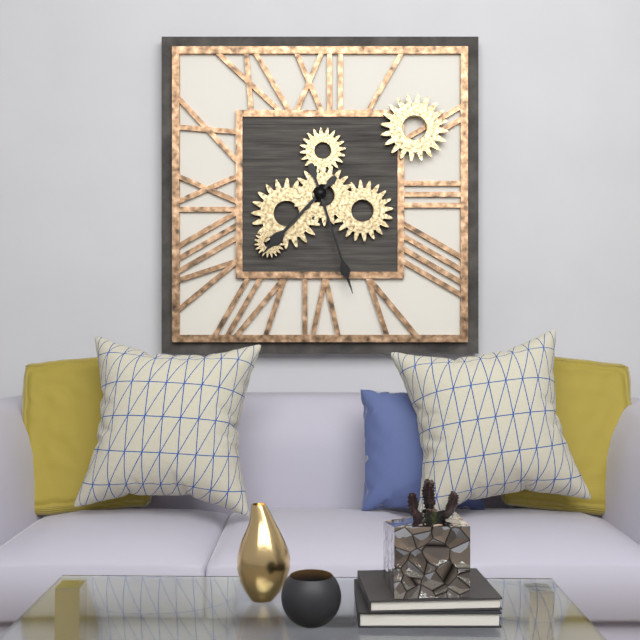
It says 7:27
